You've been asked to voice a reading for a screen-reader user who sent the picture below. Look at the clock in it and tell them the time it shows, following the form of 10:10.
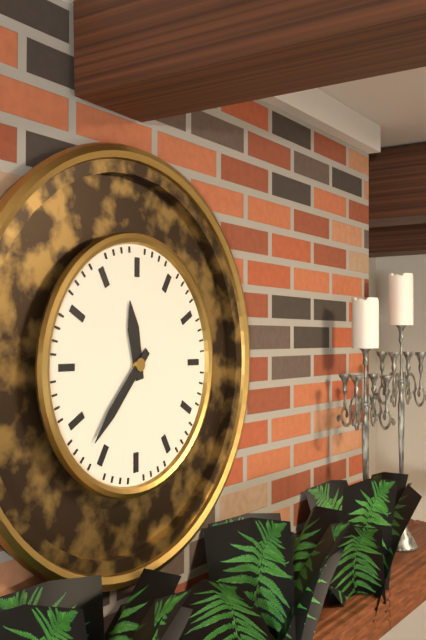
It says 11:37
